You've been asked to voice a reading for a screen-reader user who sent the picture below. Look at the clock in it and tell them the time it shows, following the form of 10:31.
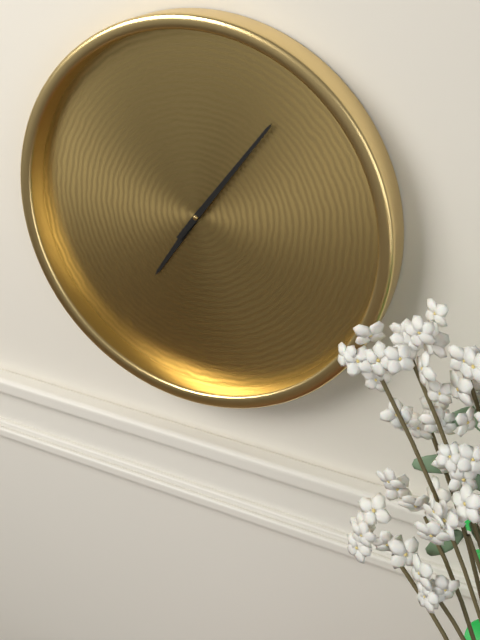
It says 7:06
